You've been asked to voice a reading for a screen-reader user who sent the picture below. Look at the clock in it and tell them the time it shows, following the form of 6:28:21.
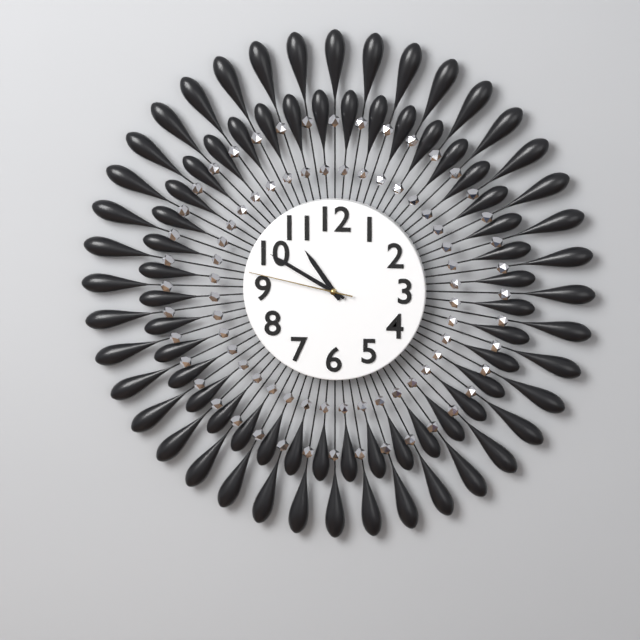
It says 10:50:47
